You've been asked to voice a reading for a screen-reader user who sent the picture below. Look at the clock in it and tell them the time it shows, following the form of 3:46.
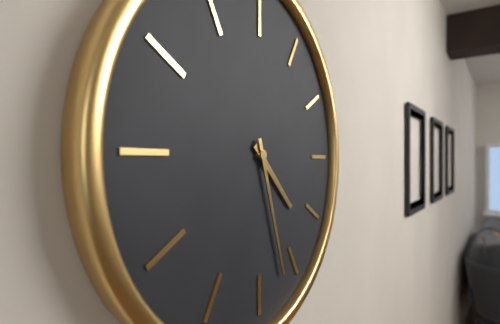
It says 4:27
